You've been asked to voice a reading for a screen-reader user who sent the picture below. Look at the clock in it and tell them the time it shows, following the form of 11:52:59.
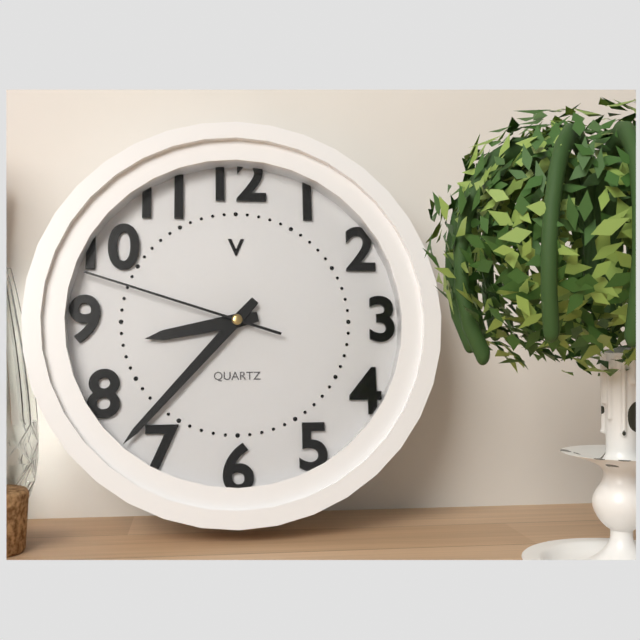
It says 8:37:48
